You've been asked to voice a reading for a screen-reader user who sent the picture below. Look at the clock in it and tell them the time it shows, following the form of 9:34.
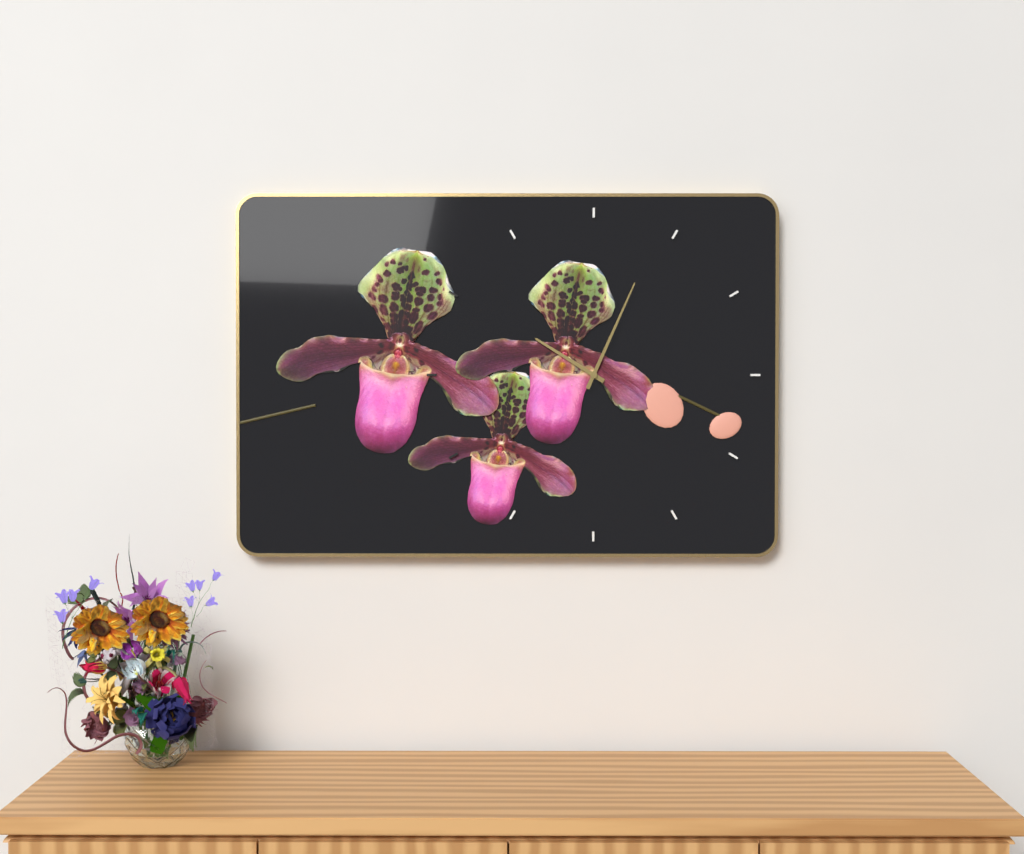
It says 10:04
